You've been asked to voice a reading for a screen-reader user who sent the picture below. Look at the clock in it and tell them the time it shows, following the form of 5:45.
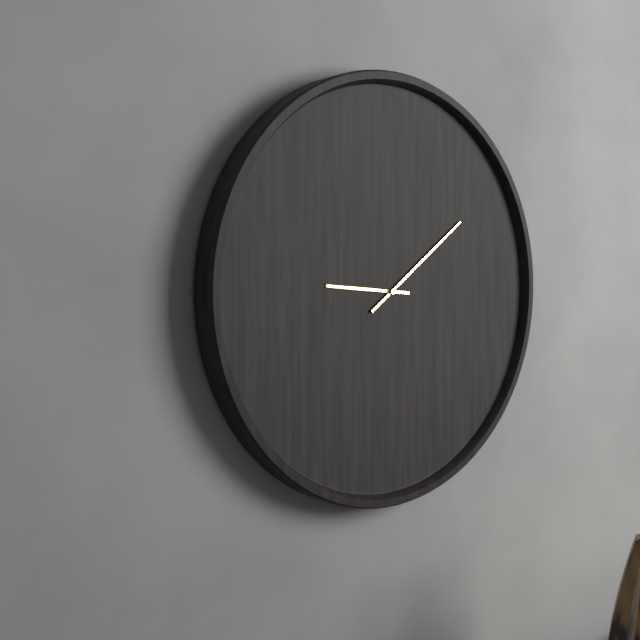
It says 9:09
